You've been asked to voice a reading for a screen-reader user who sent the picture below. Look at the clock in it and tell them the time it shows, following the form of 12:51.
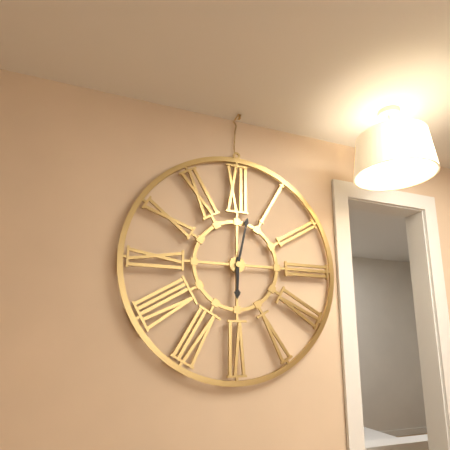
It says 6:02
